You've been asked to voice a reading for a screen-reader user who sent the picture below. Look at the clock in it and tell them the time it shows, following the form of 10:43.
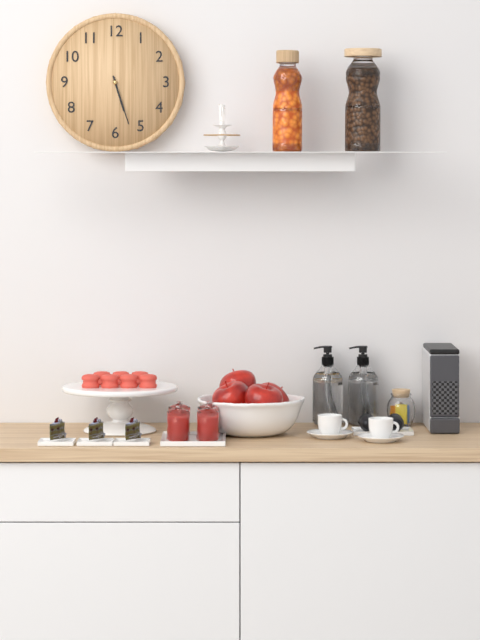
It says 5:27
